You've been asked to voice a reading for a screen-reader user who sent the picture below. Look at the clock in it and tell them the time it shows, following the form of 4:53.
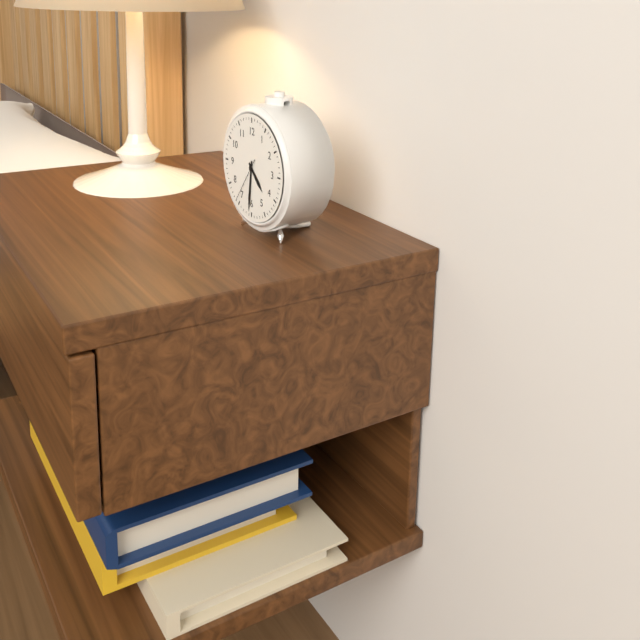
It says 4:31
